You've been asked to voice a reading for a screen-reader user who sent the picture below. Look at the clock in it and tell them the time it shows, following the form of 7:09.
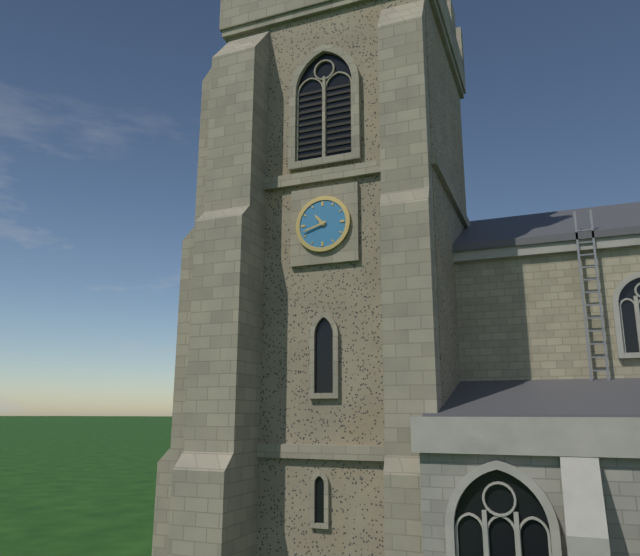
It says 10:42
